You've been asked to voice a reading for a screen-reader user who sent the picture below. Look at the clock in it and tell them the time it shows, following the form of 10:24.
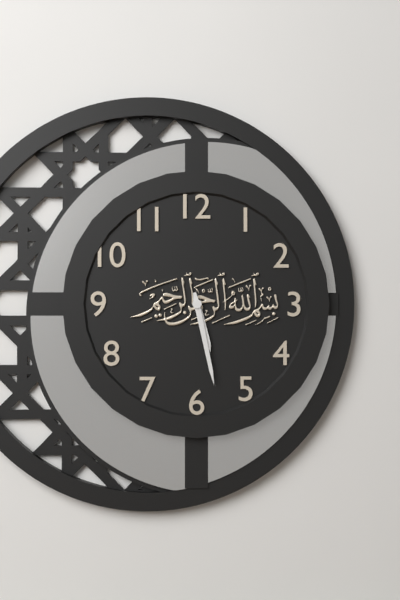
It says 5:28
